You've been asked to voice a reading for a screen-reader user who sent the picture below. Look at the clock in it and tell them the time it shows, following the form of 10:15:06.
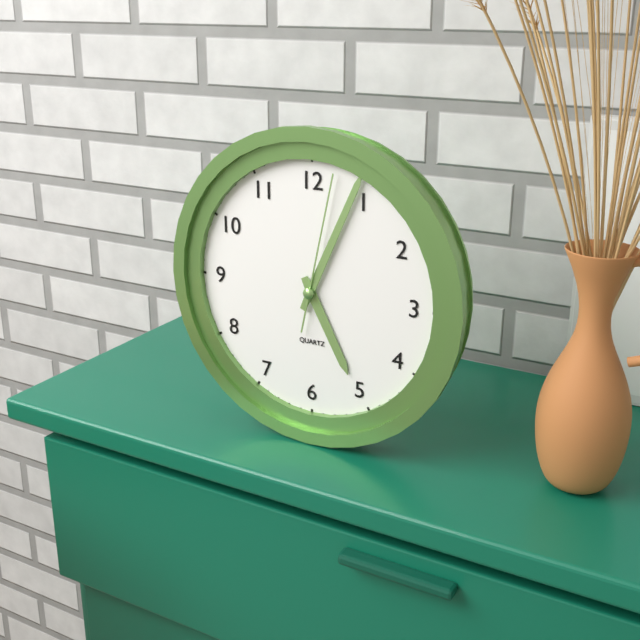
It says 5:04:02
